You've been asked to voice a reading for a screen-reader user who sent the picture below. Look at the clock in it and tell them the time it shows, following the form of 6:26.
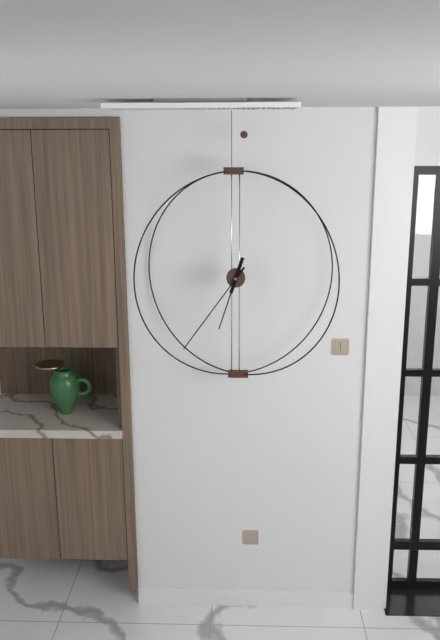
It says 6:36
